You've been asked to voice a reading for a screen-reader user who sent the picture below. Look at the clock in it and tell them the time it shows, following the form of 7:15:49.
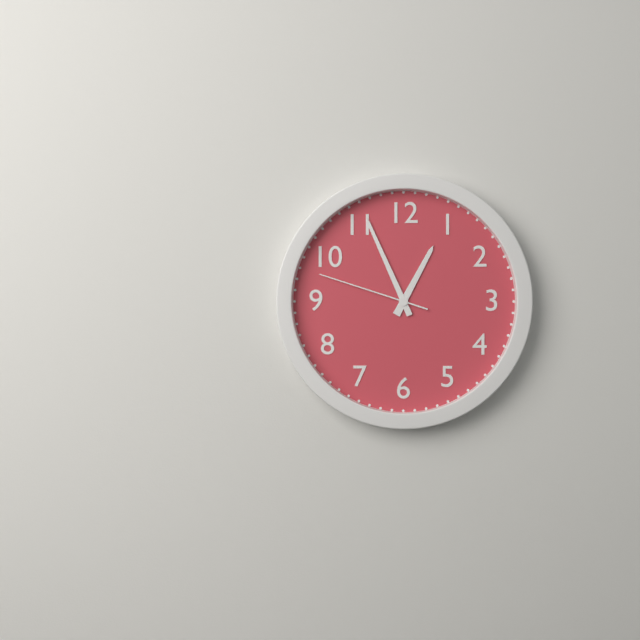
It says 12:56:48
